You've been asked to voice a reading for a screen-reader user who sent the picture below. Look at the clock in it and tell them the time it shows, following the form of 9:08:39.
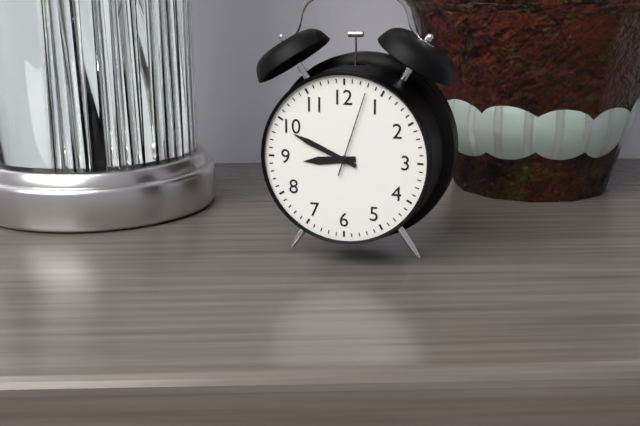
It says 8:49:03
